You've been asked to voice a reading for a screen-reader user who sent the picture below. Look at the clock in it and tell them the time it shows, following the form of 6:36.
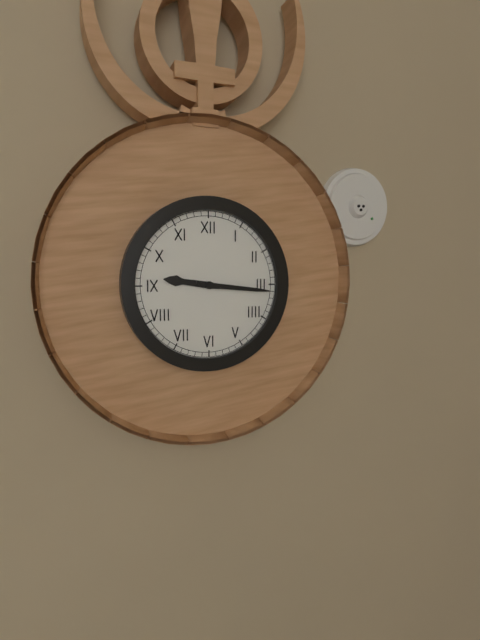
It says 9:16
